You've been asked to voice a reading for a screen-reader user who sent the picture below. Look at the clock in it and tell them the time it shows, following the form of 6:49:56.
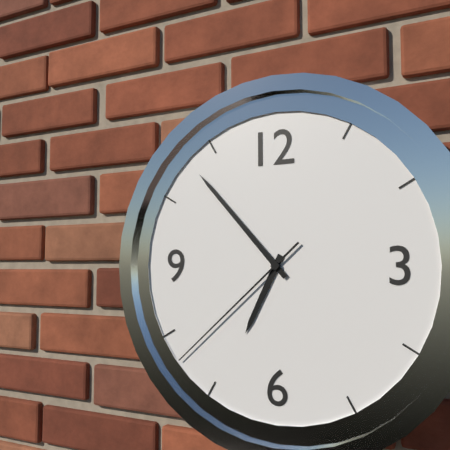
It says 6:53:38
